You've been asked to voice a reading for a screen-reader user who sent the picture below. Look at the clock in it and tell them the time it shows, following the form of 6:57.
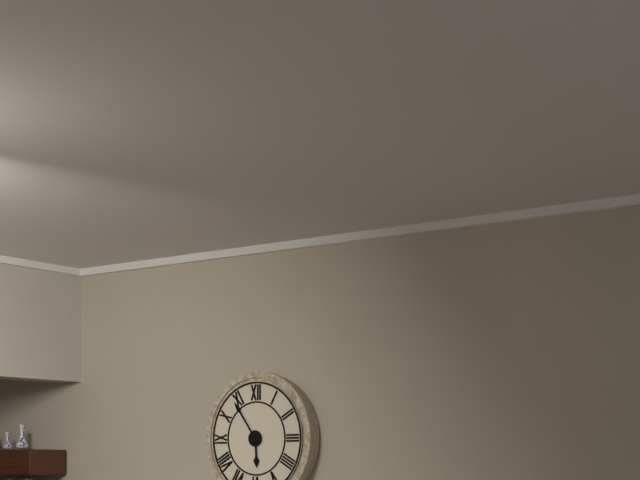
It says 5:54
